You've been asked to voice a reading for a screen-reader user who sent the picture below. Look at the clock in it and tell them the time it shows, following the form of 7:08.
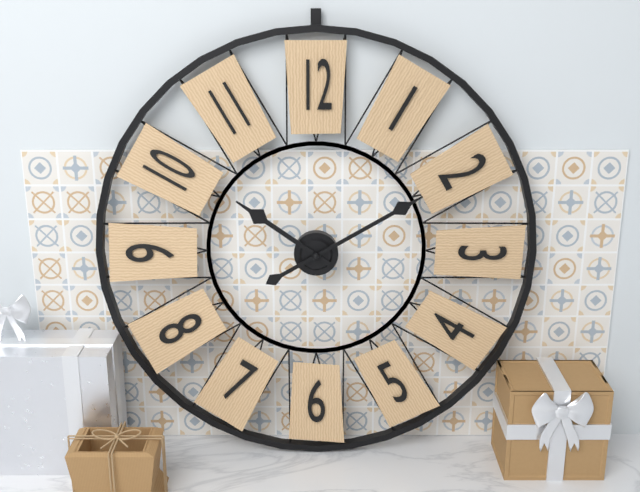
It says 10:10
